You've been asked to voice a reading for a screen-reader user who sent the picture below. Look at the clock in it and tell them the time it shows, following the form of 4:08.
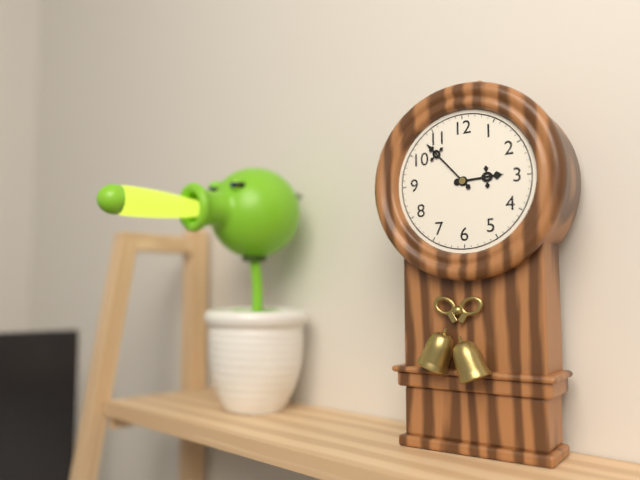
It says 2:53
